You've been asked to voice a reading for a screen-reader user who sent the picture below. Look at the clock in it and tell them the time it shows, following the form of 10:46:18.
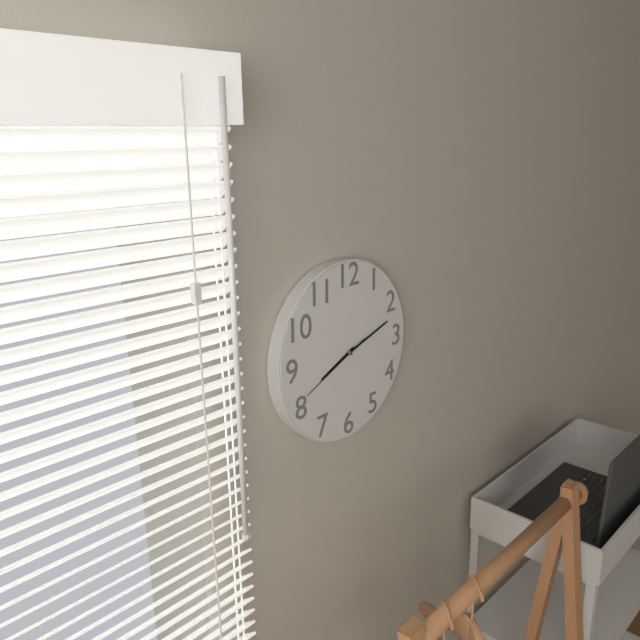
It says 8:12:41
